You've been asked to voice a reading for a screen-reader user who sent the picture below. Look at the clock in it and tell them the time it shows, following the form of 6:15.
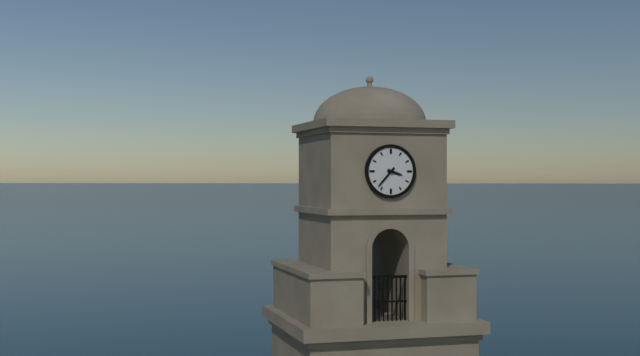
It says 3:37
